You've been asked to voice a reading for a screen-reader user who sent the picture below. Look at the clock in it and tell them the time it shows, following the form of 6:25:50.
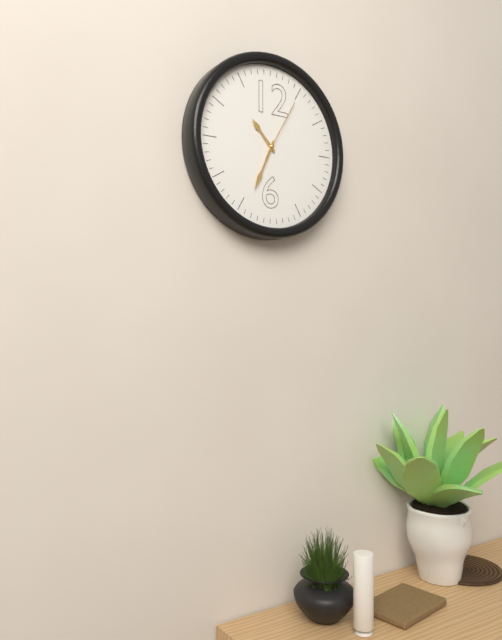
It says 10:34:05
